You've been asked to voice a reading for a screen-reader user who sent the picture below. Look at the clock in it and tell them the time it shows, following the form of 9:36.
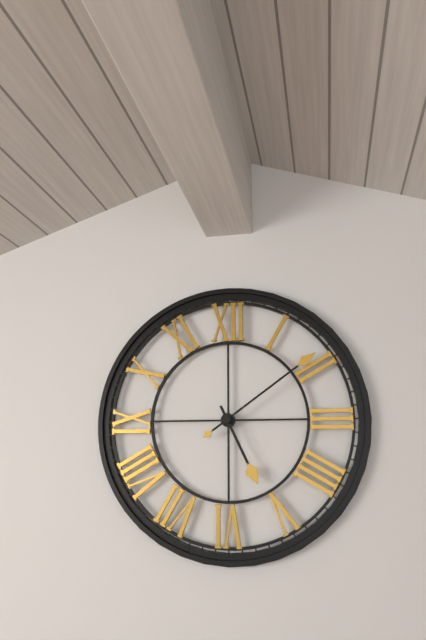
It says 5:09
